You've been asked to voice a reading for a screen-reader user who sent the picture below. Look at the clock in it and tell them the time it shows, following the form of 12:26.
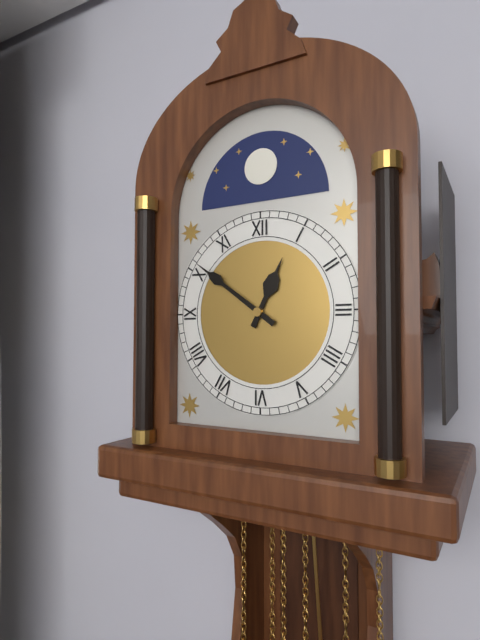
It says 12:51
